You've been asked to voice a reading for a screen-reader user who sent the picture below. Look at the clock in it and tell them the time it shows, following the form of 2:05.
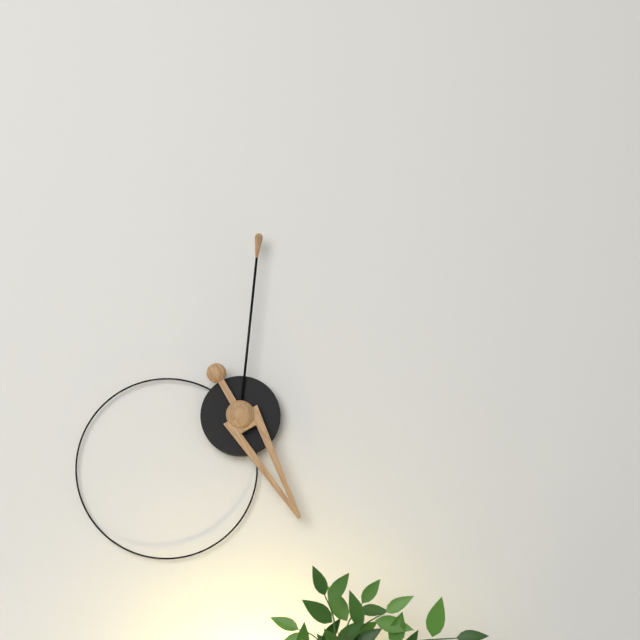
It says 5:01
